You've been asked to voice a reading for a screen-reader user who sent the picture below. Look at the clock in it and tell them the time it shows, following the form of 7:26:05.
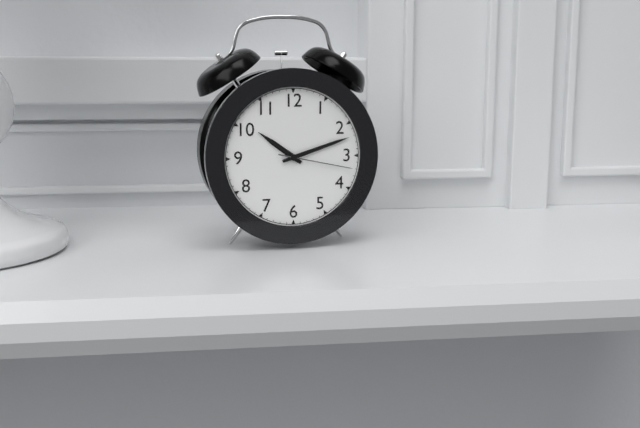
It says 10:12:17
